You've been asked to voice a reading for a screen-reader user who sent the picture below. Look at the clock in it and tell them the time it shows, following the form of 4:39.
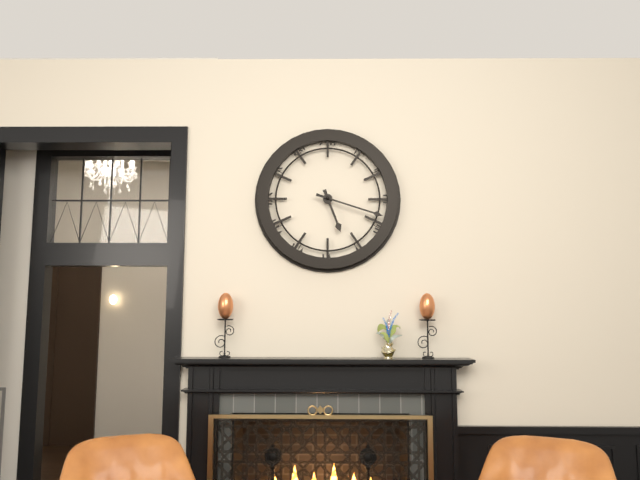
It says 5:18
